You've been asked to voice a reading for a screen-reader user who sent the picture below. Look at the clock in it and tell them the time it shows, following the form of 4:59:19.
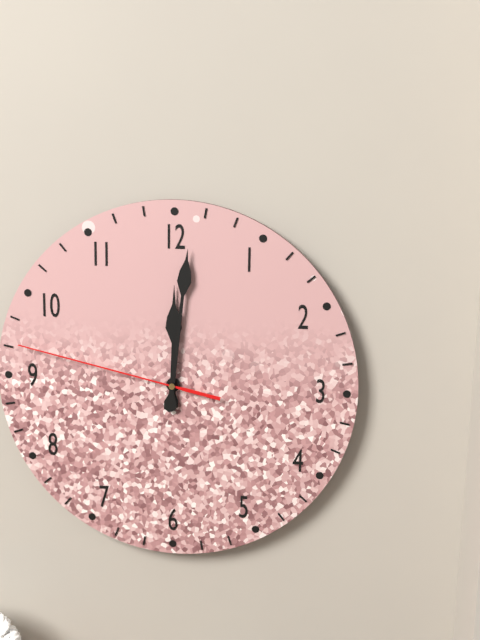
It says 12:01:47
